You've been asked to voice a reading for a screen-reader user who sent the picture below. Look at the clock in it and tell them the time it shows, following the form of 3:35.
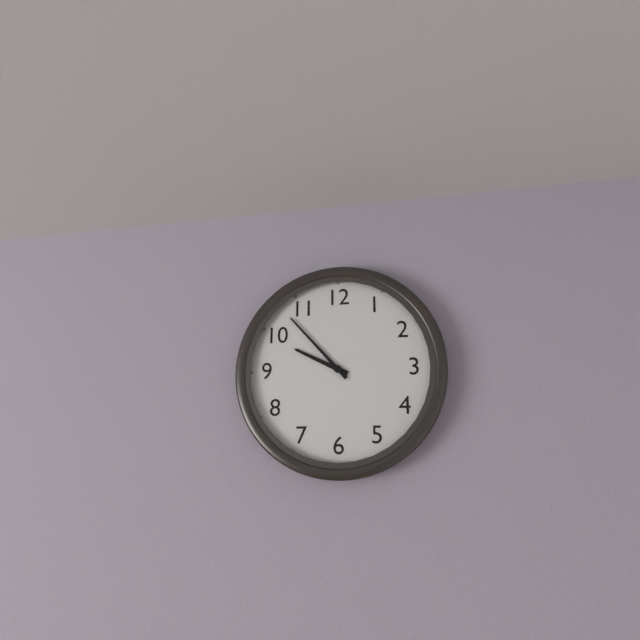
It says 9:53
